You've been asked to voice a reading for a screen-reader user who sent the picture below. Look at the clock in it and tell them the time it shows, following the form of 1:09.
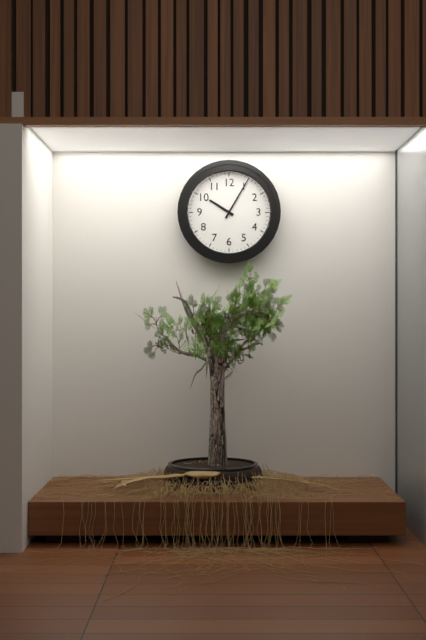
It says 10:05
